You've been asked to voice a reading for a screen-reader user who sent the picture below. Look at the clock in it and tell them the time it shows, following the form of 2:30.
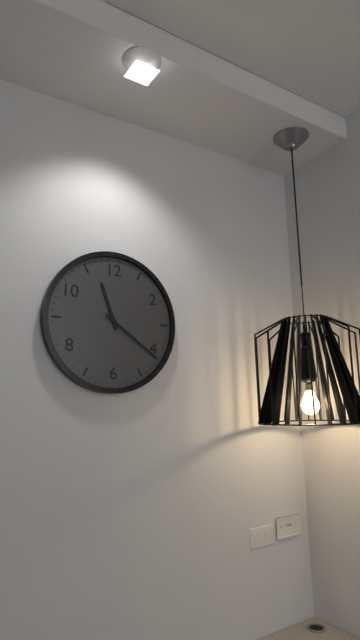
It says 11:21
